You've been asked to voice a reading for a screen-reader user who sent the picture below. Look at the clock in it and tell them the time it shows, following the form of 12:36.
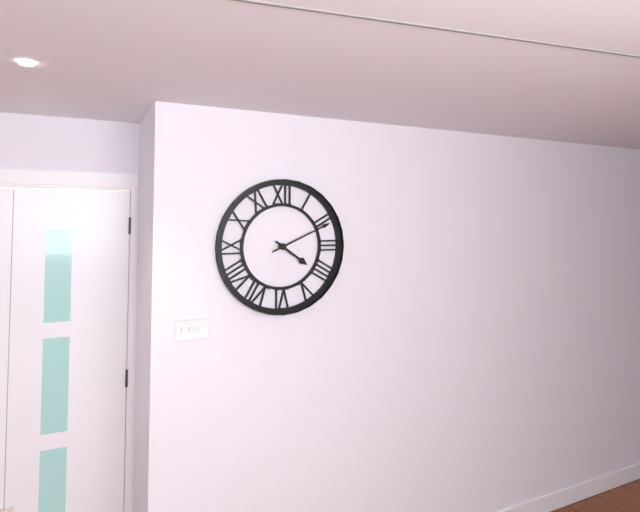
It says 4:11
